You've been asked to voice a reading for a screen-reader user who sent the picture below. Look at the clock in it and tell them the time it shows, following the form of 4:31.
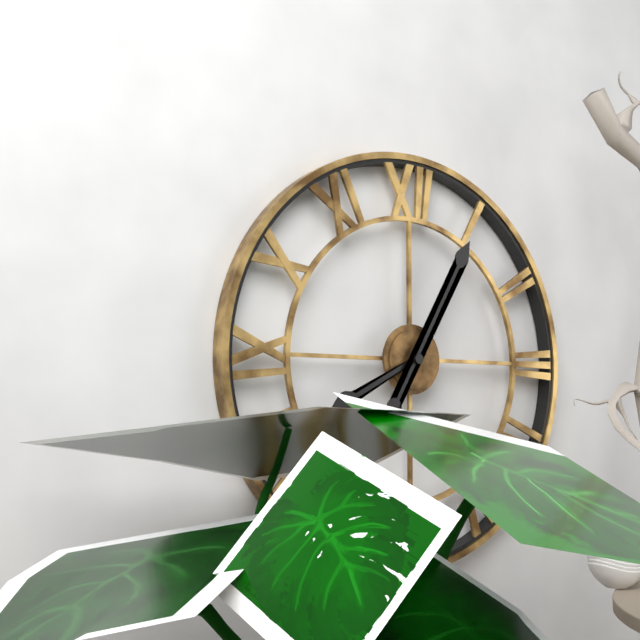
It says 8:05
